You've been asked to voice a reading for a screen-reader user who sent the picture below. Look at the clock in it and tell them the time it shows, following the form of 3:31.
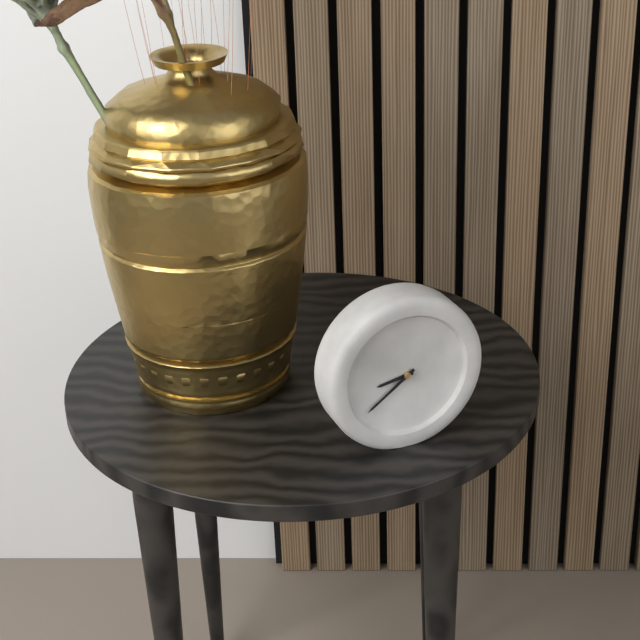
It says 8:39
